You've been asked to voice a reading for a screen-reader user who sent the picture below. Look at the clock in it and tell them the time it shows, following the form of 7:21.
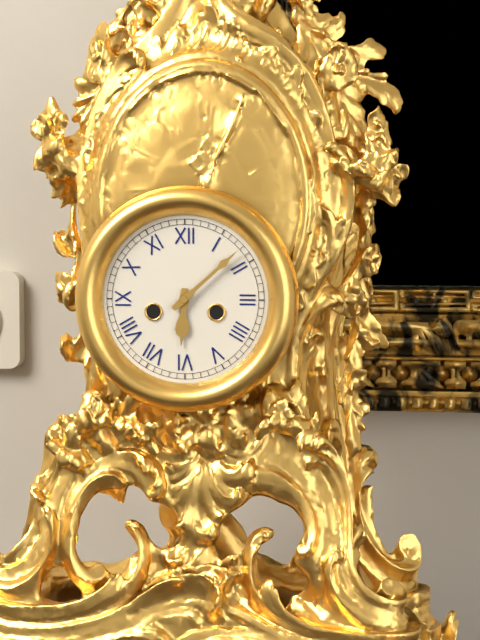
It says 6:08
